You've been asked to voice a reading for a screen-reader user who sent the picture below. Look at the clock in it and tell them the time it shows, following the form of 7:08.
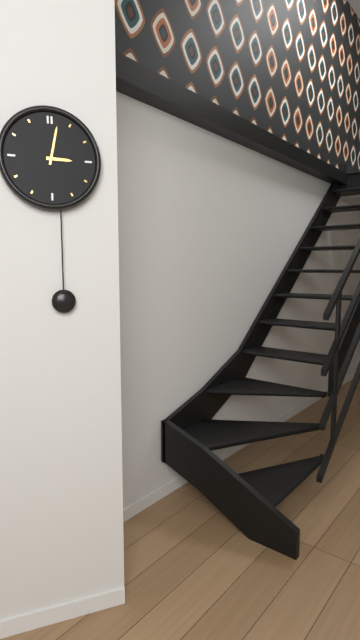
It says 3:02
